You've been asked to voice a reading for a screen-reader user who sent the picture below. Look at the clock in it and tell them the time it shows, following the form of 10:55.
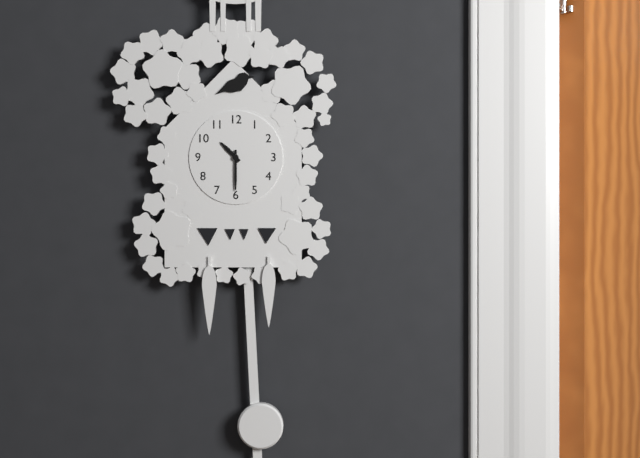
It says 10:30
